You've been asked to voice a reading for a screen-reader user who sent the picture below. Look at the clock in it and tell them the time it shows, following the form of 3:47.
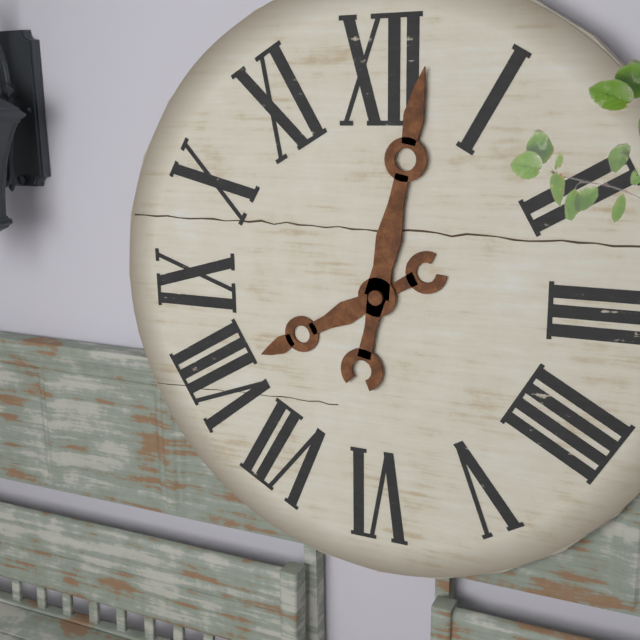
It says 8:02
